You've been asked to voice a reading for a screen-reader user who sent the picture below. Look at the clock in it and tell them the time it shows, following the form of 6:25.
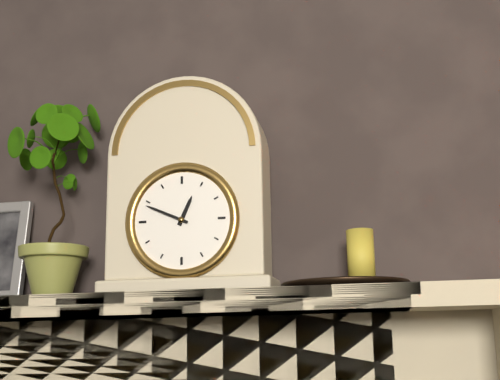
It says 12:49
